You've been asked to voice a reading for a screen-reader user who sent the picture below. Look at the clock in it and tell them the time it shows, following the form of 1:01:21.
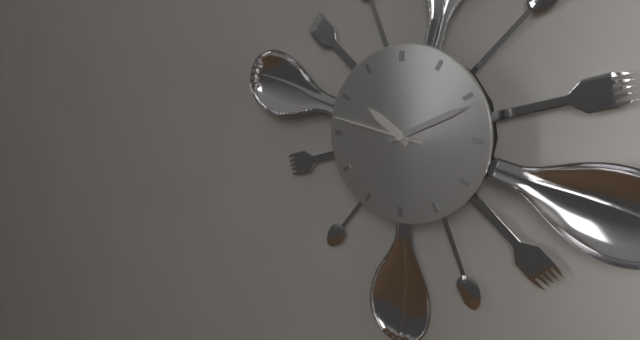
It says 10:11:47
